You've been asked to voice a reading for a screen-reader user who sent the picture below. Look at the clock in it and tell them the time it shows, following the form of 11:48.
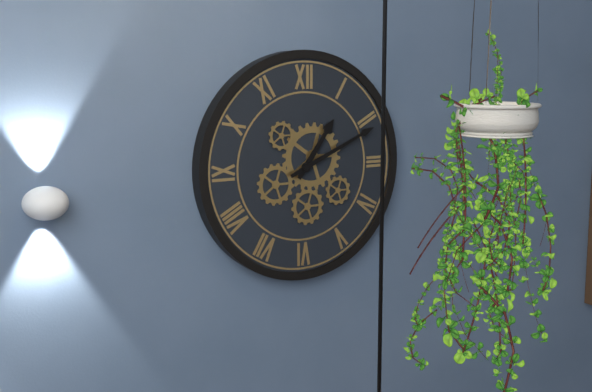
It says 1:11
